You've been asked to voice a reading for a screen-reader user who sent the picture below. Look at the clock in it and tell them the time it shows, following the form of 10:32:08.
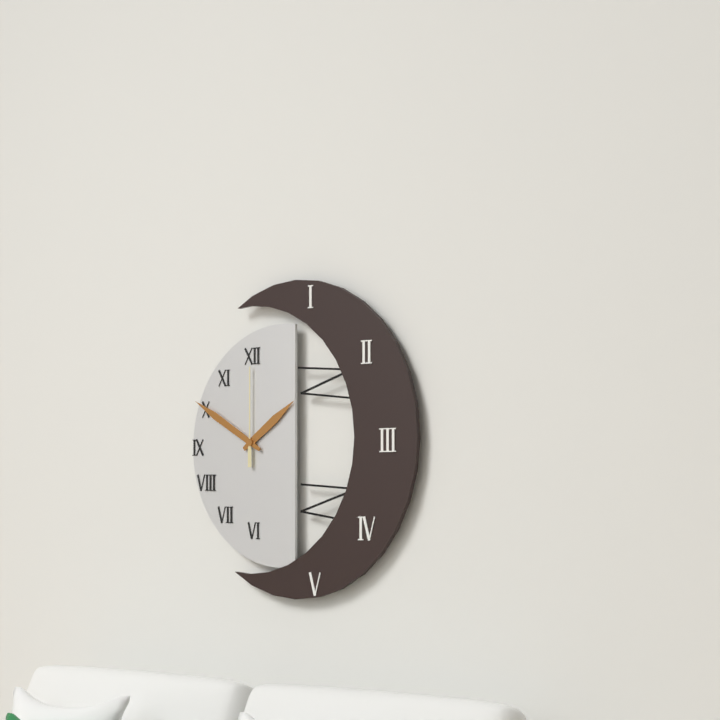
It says 1:50:00
